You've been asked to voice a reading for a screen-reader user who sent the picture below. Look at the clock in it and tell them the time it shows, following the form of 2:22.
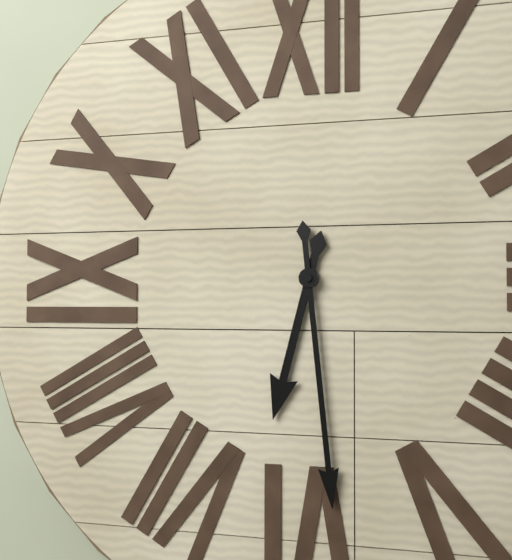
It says 6:29
